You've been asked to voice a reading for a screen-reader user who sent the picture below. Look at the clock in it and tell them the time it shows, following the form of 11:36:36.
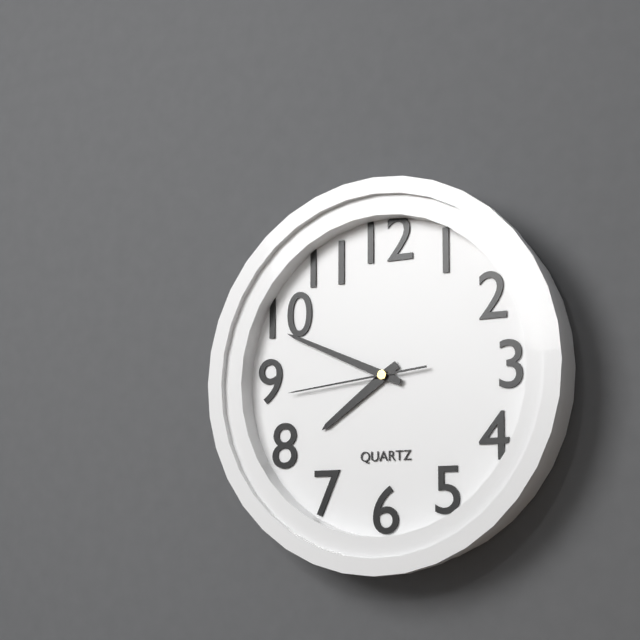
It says 7:49:44
